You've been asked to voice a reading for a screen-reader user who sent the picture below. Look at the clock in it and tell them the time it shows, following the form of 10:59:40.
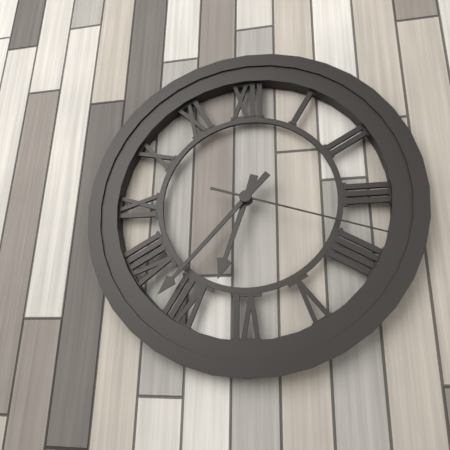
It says 6:37:18
